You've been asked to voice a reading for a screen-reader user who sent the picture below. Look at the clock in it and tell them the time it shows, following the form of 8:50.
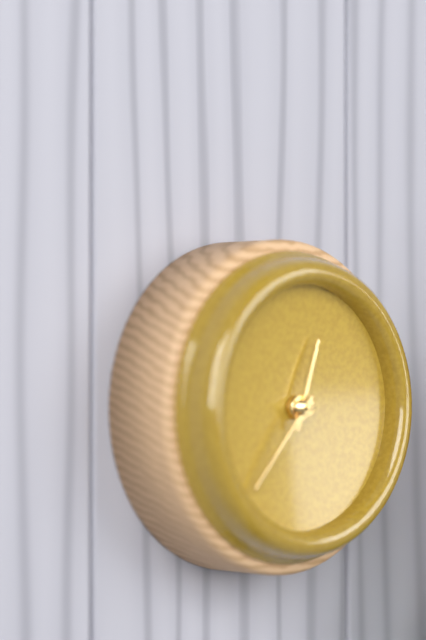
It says 12:37
